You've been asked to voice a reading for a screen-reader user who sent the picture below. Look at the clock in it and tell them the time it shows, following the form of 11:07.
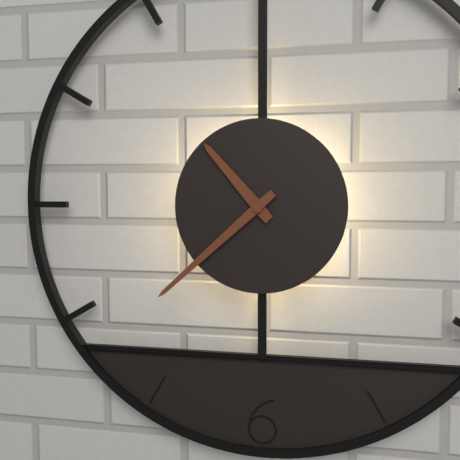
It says 10:38
